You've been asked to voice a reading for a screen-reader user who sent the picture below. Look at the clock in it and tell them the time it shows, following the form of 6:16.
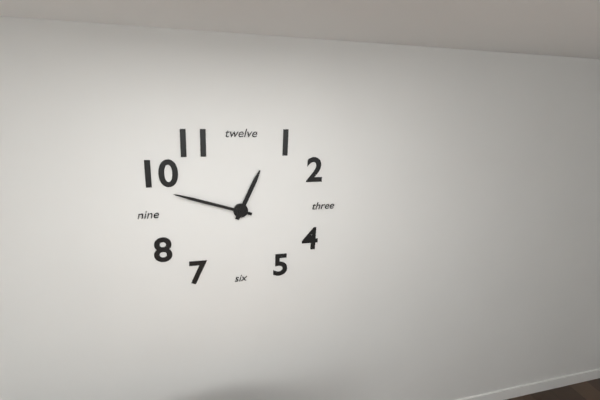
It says 12:48
